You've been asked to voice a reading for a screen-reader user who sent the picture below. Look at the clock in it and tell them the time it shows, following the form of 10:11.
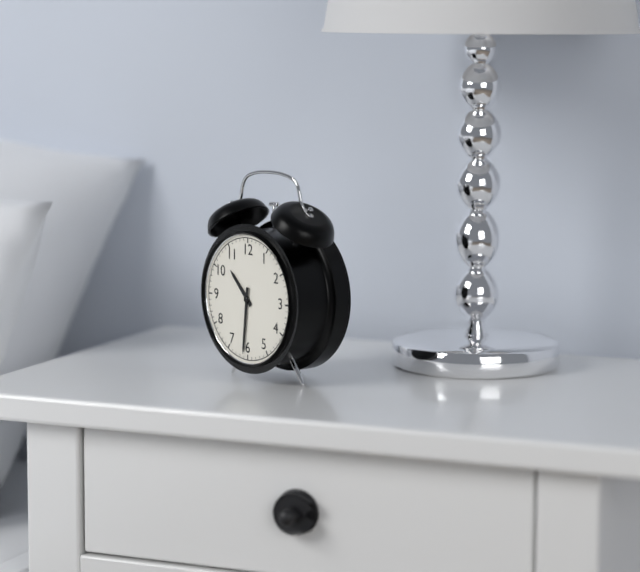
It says 10:31
